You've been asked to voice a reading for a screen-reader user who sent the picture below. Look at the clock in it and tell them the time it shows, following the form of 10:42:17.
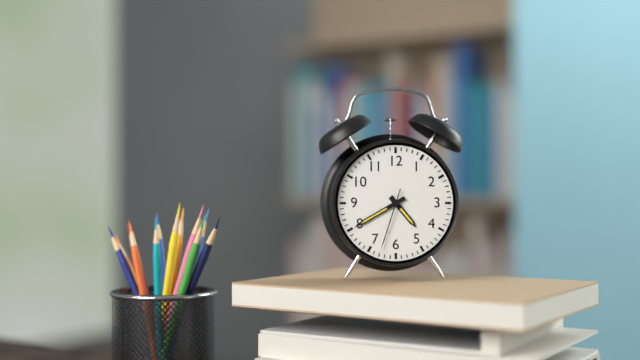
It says 4:40:33
